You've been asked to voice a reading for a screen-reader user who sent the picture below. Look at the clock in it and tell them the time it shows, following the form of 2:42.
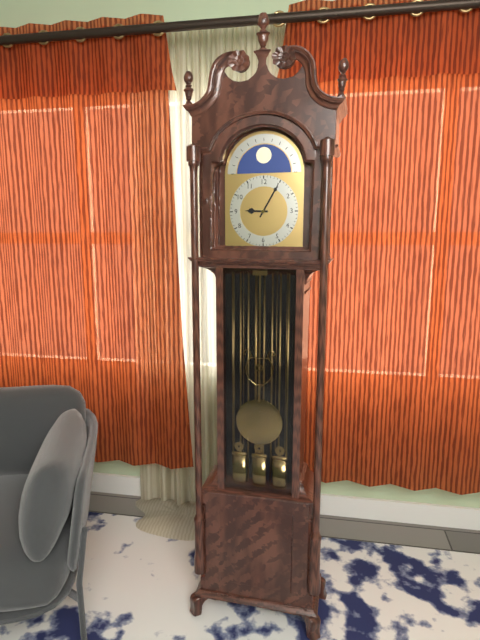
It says 9:05
